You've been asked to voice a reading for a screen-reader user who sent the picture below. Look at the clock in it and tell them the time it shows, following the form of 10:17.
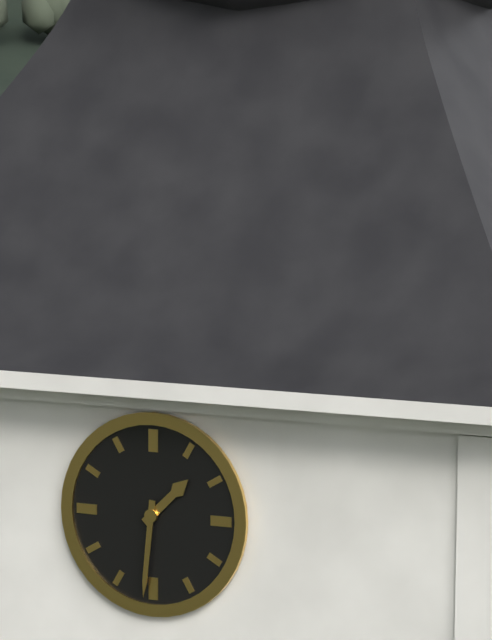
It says 1:31
